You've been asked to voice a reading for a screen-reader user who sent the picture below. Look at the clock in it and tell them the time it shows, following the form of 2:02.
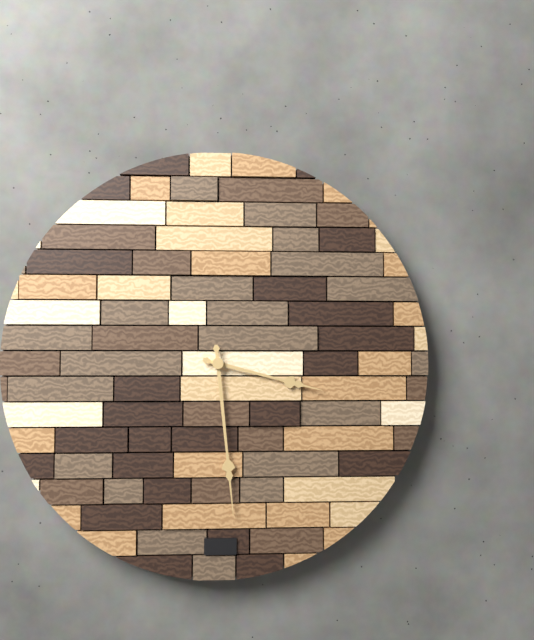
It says 3:29
